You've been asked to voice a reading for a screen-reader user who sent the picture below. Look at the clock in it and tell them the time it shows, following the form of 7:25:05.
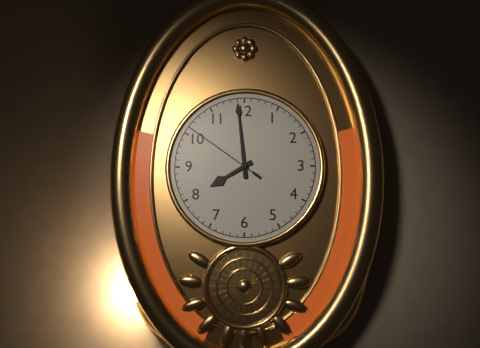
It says 7:59:51
